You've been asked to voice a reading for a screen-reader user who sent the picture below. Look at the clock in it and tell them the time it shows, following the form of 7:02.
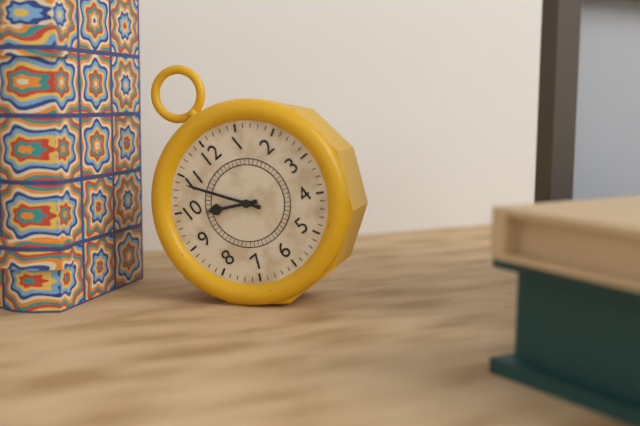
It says 9:54
